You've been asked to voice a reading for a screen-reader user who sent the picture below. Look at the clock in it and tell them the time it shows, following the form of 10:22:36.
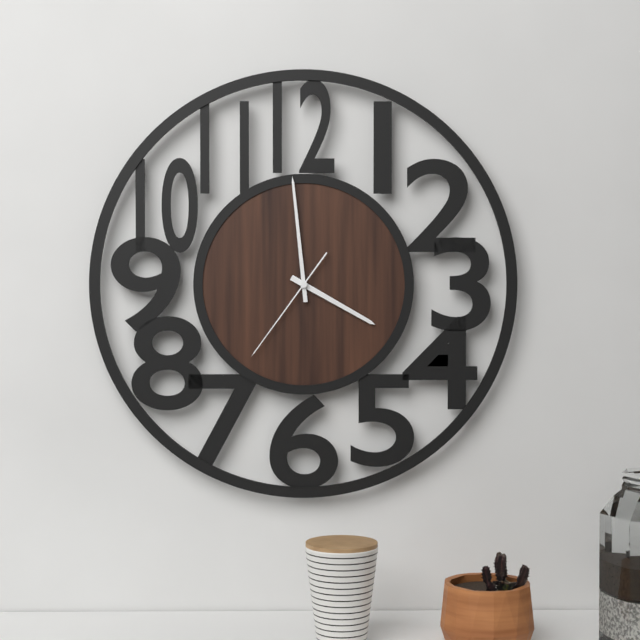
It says 3:59:36
